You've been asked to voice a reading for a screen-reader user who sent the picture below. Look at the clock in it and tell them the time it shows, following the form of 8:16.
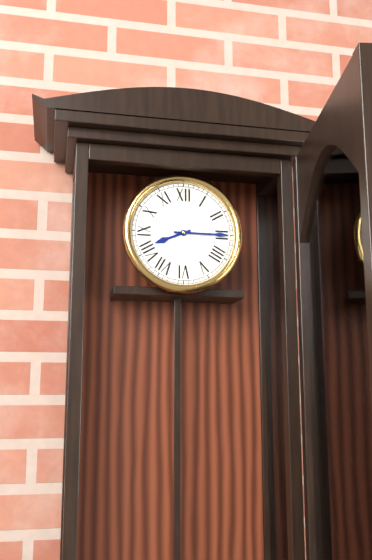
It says 8:15
